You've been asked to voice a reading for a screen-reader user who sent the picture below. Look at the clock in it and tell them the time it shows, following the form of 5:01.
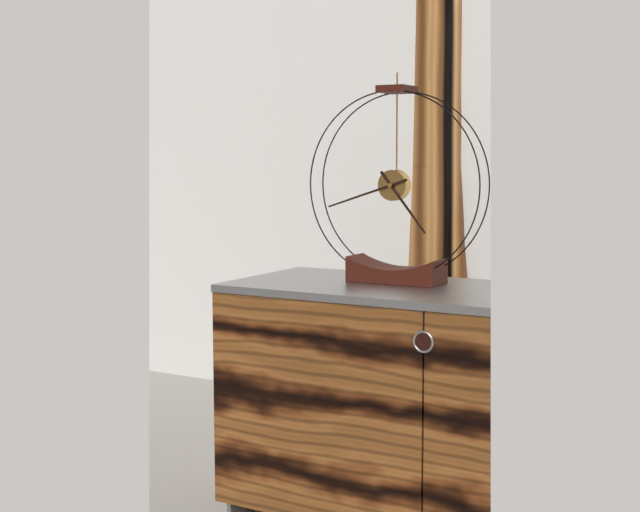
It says 4:42
